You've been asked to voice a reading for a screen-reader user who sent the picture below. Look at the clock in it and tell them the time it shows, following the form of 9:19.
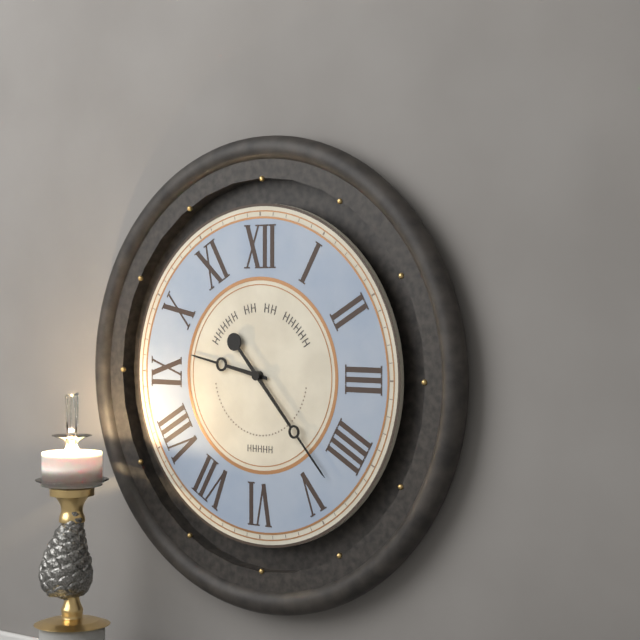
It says 9:23
